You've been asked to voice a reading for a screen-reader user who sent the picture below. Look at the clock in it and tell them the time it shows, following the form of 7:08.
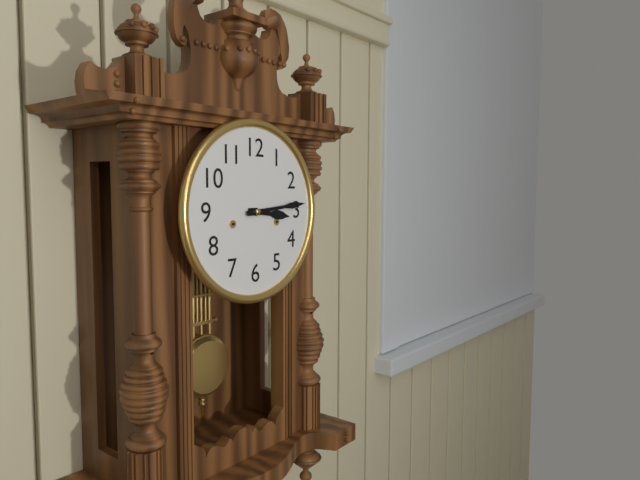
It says 3:14
